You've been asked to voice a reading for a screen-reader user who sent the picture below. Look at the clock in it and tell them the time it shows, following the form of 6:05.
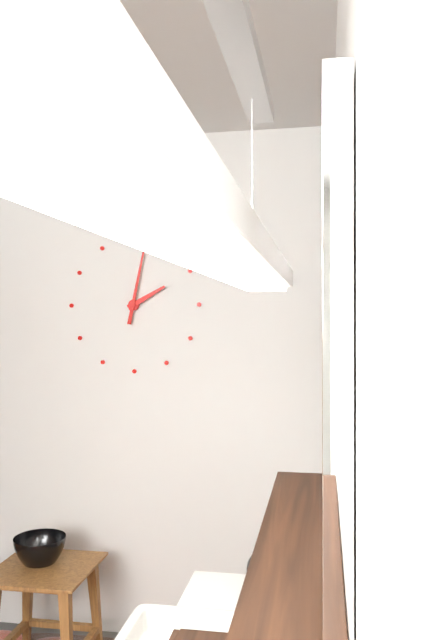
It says 2:02
